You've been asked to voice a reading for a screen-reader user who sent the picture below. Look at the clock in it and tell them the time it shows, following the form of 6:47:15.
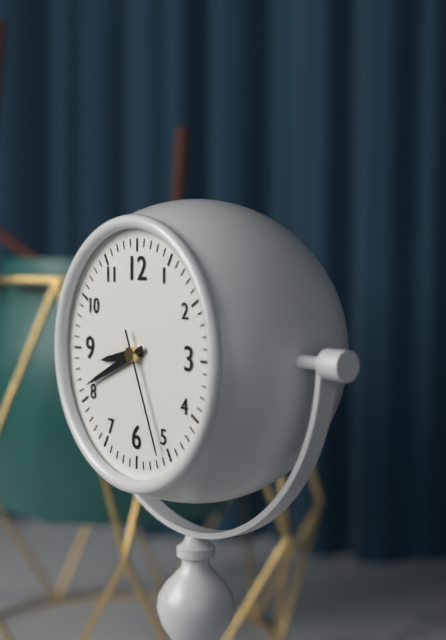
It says 8:41:26
